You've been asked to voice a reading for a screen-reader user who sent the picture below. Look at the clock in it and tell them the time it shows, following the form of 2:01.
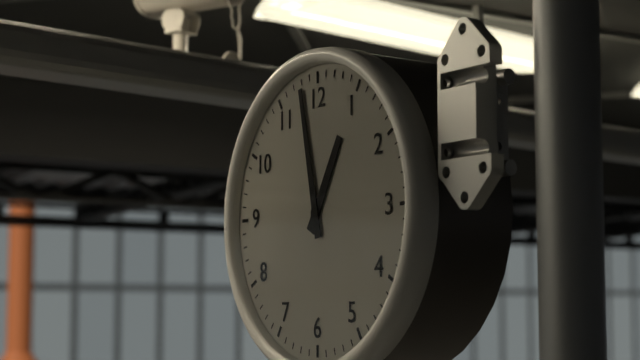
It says 12:58
